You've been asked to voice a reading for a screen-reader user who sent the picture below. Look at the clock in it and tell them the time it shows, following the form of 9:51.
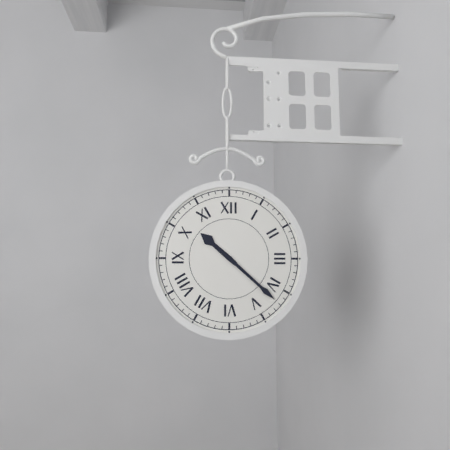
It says 10:22
